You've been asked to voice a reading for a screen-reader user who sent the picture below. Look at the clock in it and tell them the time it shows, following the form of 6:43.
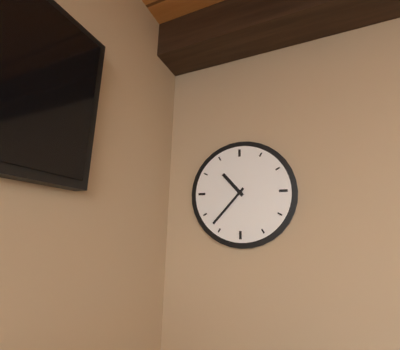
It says 10:37
